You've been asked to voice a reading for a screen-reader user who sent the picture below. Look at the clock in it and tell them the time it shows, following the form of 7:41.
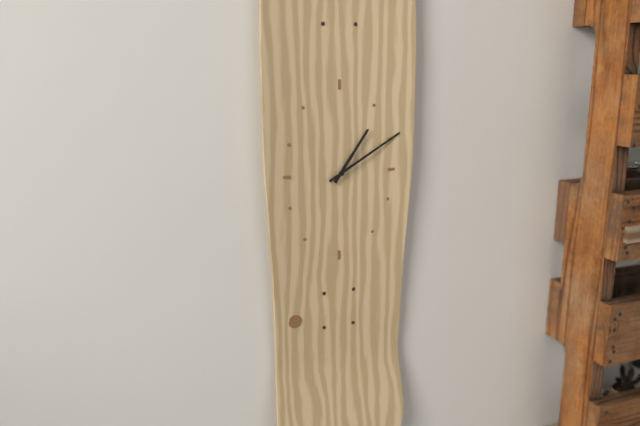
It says 1:10
